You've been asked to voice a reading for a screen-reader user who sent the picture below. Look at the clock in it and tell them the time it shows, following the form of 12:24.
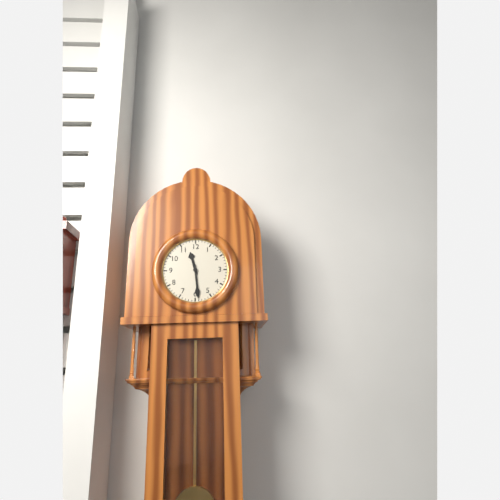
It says 11:29
